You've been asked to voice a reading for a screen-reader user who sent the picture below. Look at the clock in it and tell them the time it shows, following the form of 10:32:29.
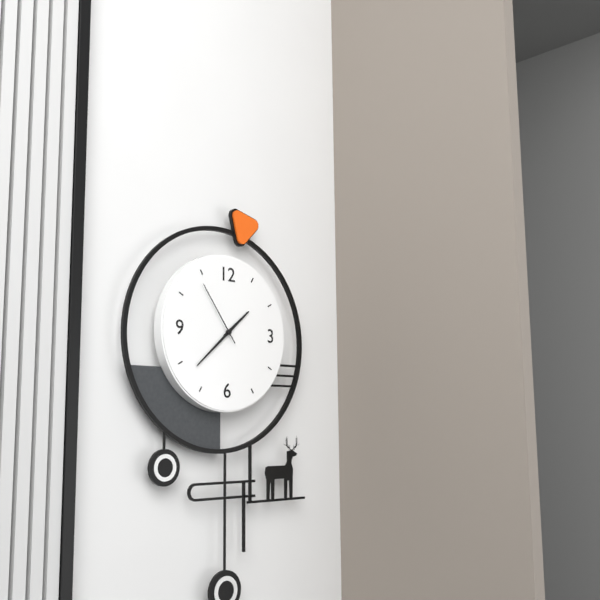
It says 1:38:54
